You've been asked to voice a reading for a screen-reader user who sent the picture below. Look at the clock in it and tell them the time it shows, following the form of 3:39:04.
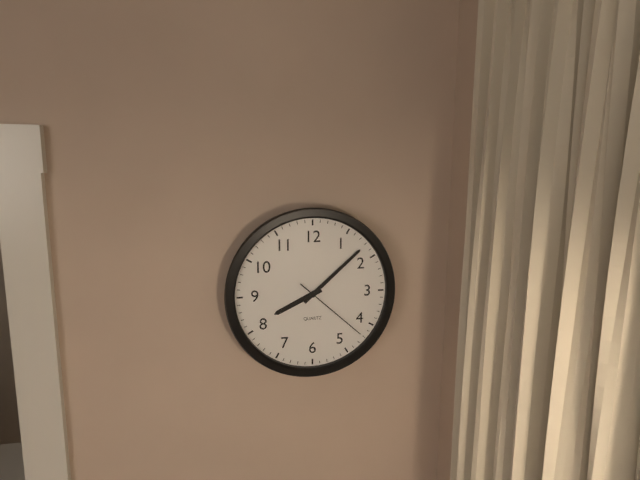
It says 8:08:22
